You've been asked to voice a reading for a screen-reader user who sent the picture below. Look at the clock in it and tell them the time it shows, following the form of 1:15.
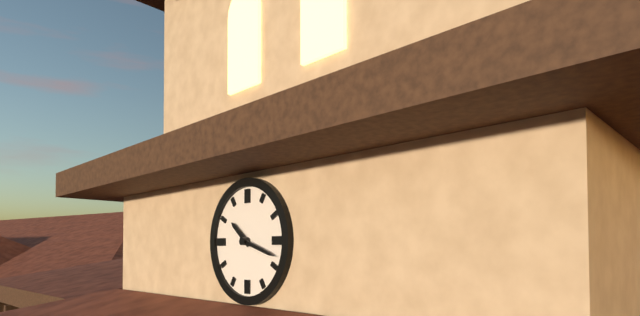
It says 10:18
